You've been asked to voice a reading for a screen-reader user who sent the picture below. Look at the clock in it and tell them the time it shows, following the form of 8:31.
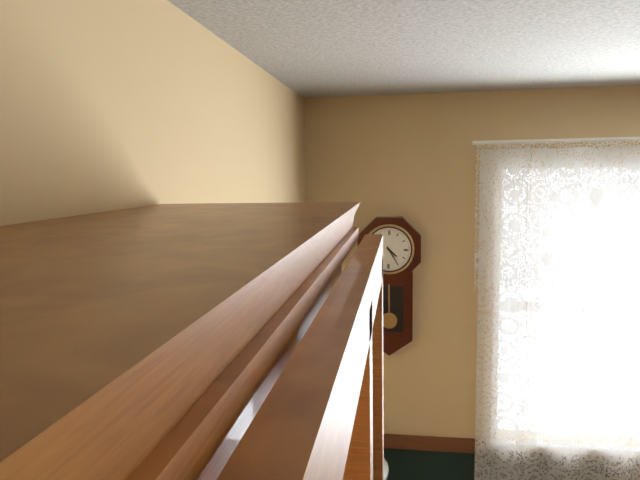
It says 4:25
